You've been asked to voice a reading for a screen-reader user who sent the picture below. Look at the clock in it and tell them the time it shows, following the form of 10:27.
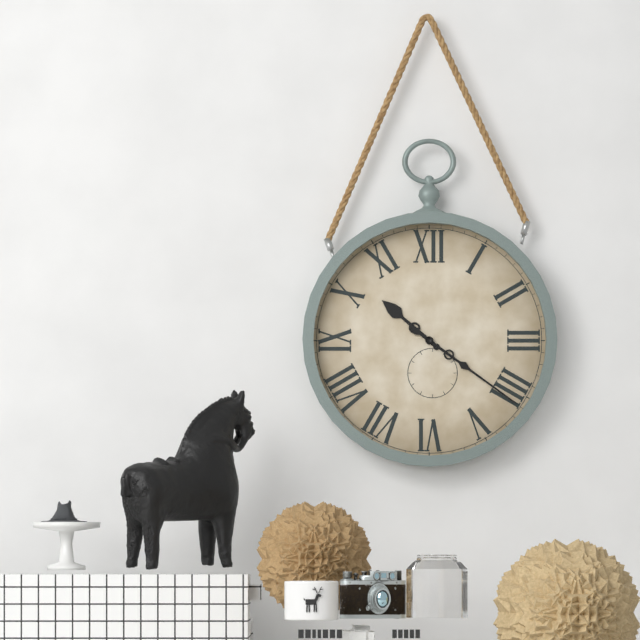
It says 10:21
